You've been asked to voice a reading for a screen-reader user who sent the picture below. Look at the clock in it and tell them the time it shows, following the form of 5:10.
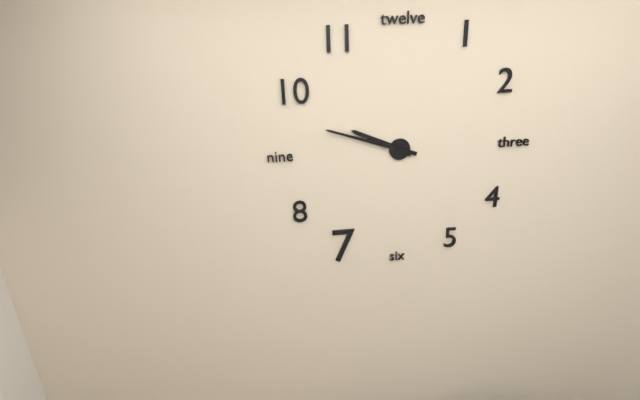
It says 9:48
